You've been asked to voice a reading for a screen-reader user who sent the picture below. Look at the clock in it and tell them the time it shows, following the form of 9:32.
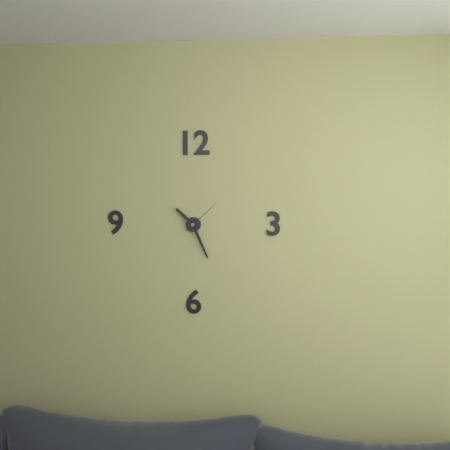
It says 10:26
